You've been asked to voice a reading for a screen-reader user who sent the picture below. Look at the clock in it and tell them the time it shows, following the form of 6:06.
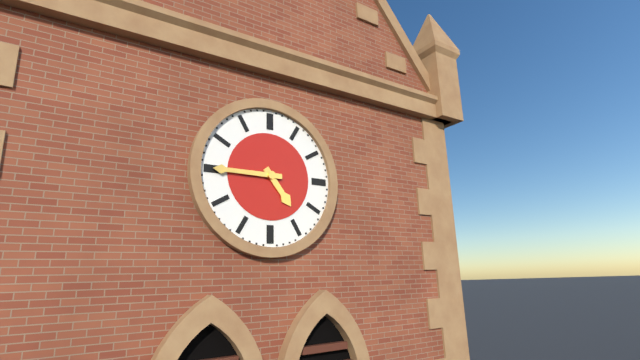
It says 4:45
